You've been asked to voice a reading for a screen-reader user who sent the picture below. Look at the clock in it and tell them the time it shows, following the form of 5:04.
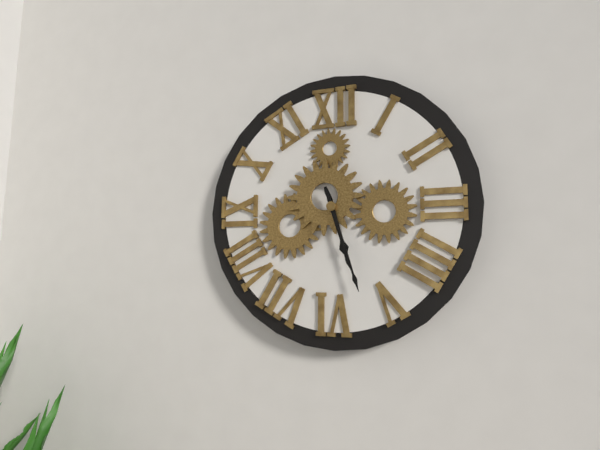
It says 5:27
